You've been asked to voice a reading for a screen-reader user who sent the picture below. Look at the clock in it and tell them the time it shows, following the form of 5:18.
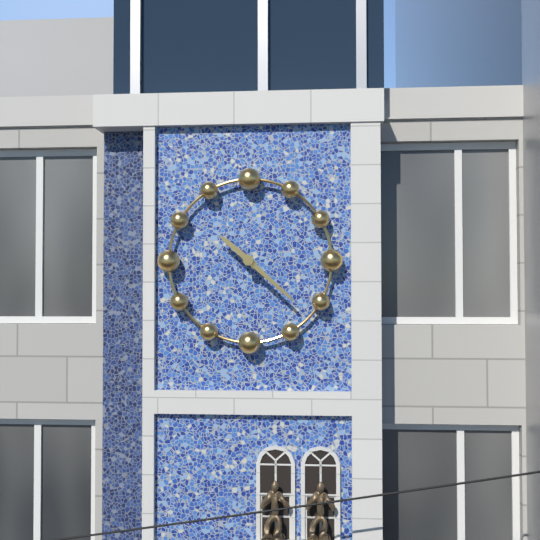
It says 10:22
